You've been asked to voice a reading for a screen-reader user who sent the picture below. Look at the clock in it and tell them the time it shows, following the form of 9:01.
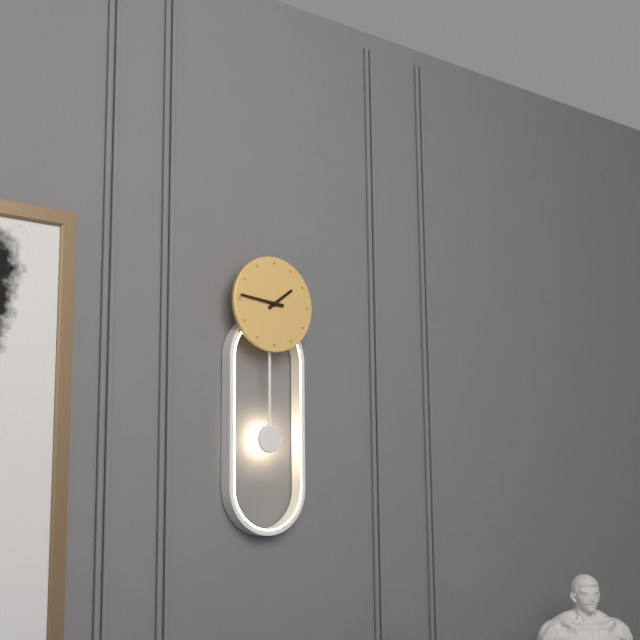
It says 1:46
